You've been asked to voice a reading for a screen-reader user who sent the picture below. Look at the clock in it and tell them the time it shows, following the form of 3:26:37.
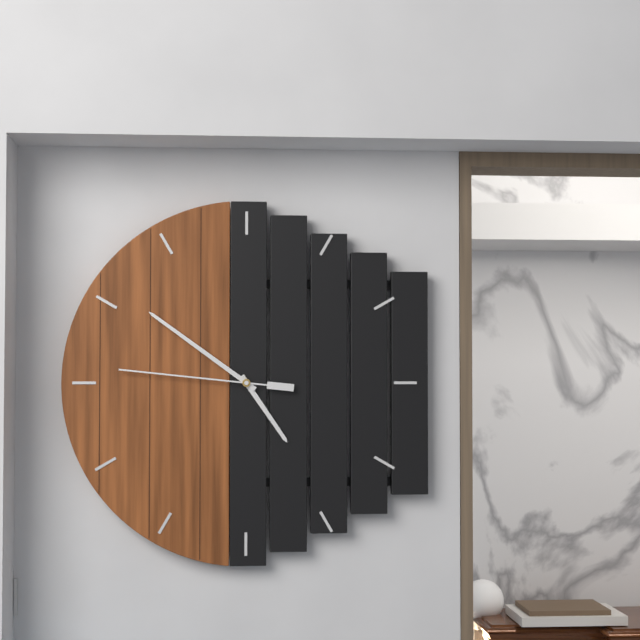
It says 4:51:46
